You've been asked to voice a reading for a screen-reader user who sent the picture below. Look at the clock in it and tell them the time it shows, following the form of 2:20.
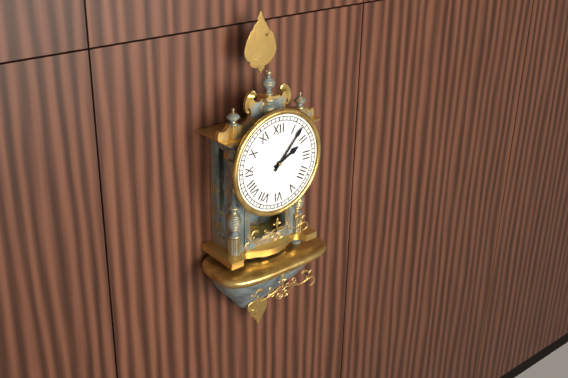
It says 2:07
